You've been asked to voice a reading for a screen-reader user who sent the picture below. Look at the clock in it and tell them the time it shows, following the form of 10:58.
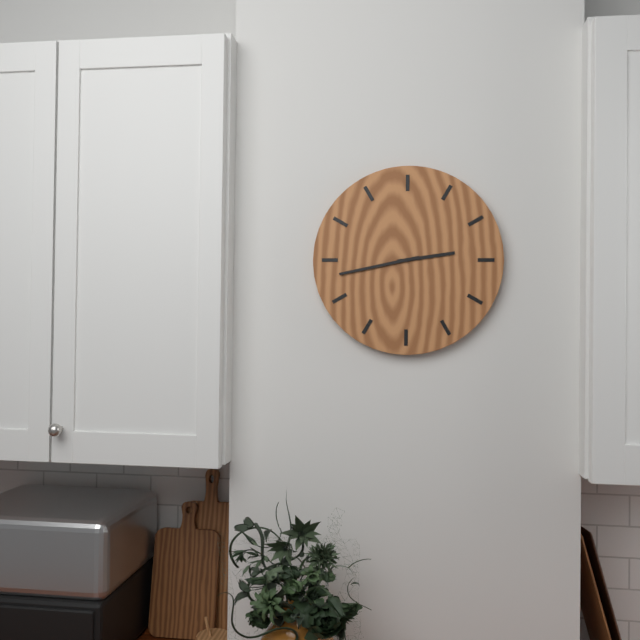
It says 2:43
